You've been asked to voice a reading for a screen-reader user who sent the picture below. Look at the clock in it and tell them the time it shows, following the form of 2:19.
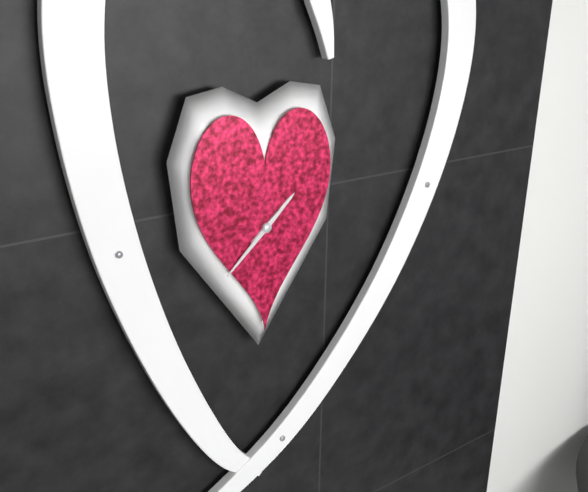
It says 1:38
